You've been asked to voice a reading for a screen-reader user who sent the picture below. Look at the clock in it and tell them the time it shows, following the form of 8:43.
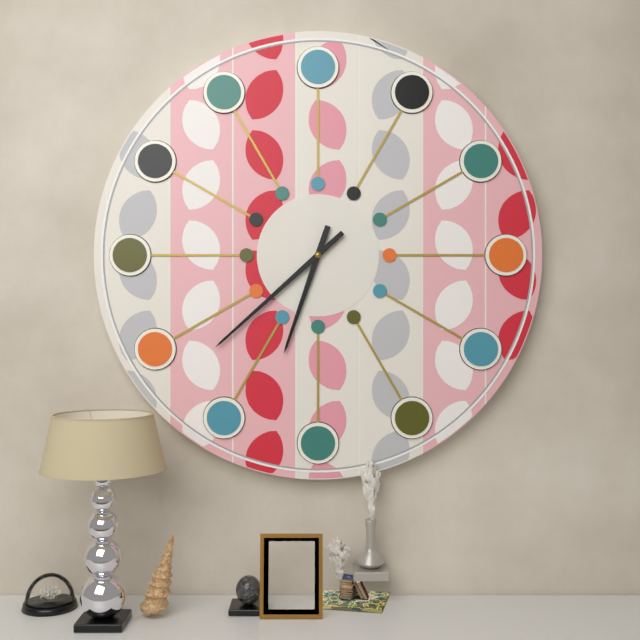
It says 6:38
